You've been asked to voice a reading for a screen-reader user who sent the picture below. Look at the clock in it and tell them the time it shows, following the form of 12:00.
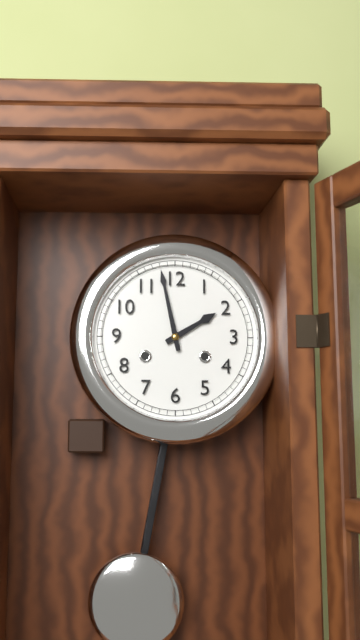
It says 1:58
